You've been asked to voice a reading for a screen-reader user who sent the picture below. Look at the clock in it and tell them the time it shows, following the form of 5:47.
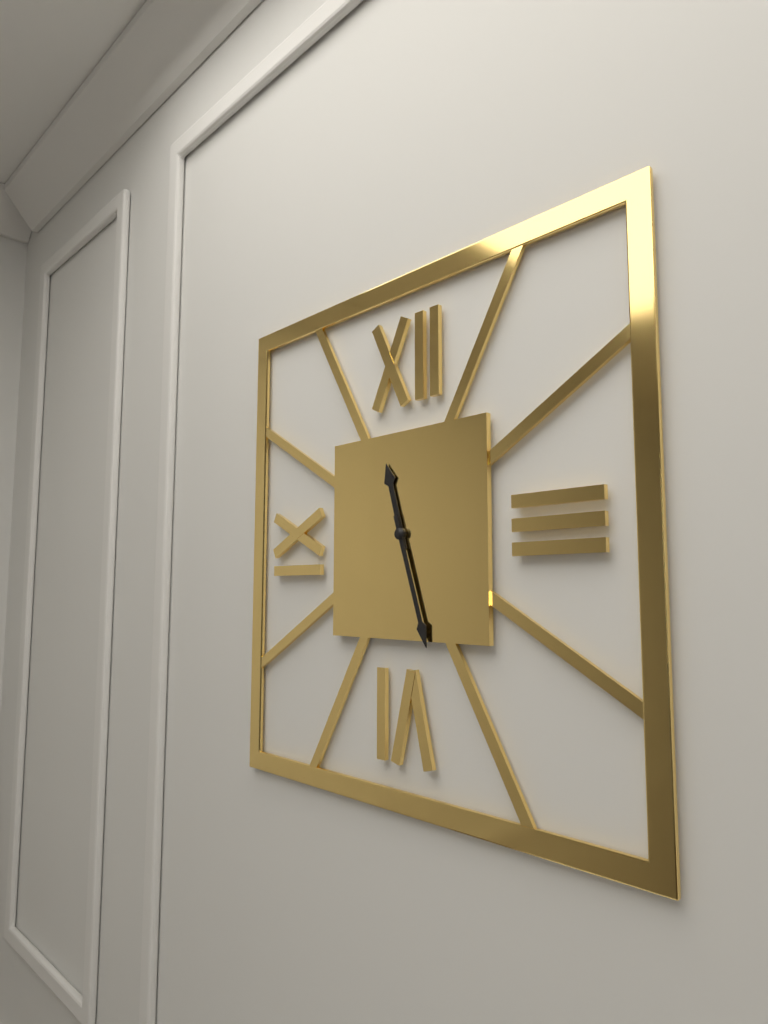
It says 11:27
